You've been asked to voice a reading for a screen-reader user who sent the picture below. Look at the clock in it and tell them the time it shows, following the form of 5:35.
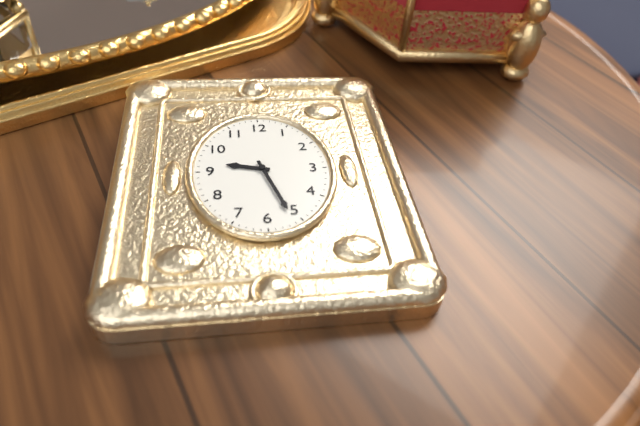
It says 9:27
